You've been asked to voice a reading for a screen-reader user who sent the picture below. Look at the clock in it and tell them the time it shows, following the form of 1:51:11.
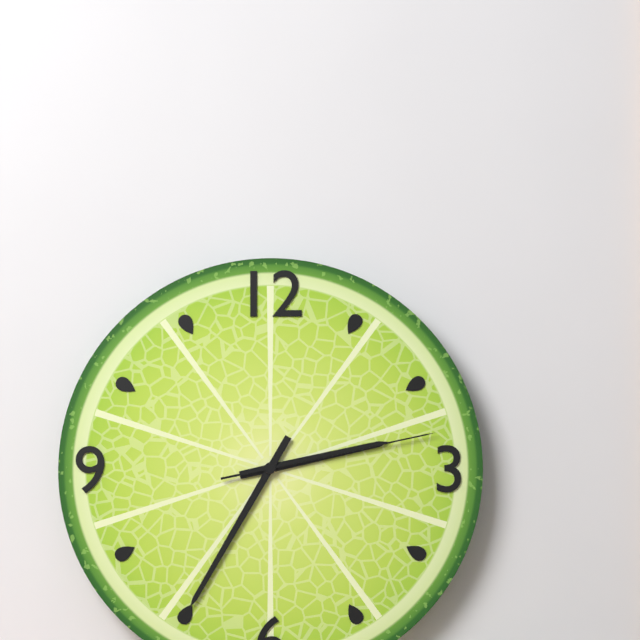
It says 2:35:13
